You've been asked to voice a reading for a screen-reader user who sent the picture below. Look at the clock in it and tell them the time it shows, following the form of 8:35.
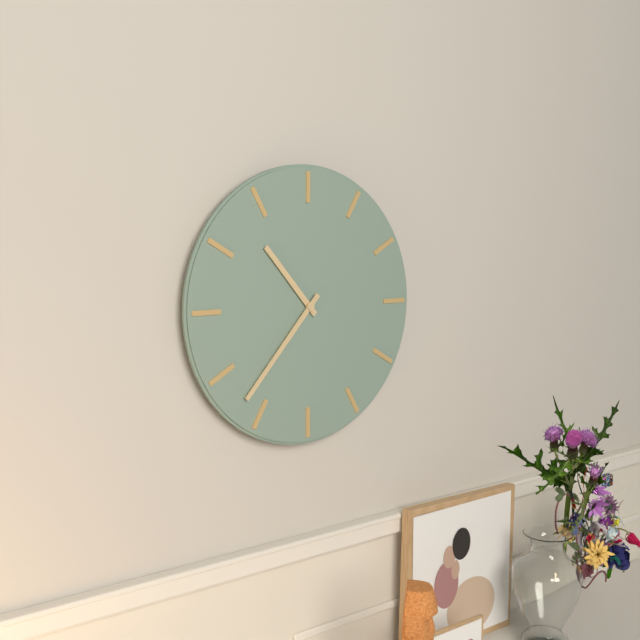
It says 10:37
